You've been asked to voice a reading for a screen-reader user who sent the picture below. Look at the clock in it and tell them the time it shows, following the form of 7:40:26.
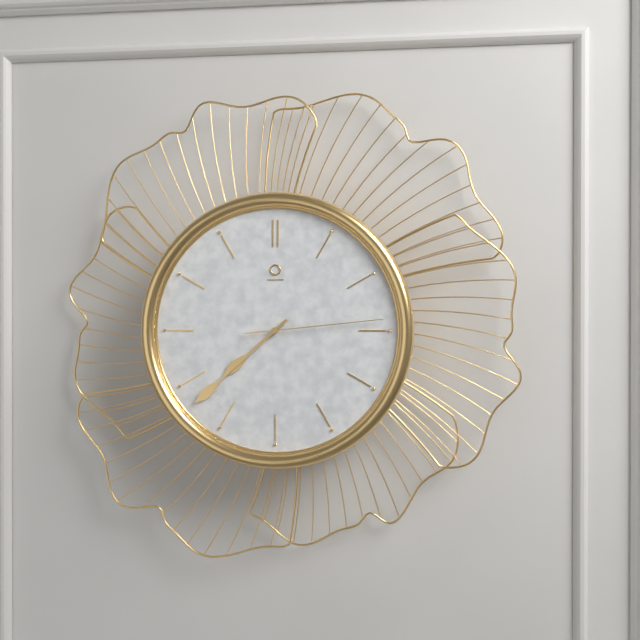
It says 7:38:14
